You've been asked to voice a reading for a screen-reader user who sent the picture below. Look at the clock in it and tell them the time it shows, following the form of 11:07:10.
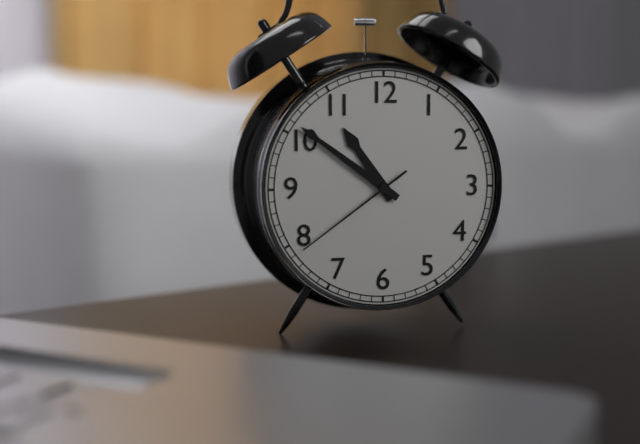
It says 10:51:39
